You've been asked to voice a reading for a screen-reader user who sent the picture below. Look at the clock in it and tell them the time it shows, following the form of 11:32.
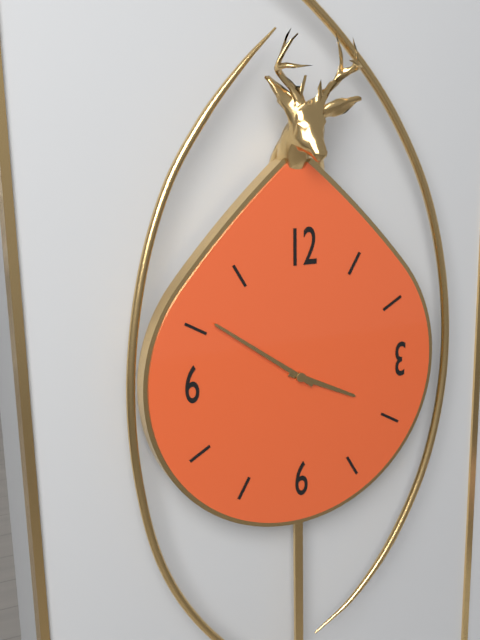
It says 3:51
